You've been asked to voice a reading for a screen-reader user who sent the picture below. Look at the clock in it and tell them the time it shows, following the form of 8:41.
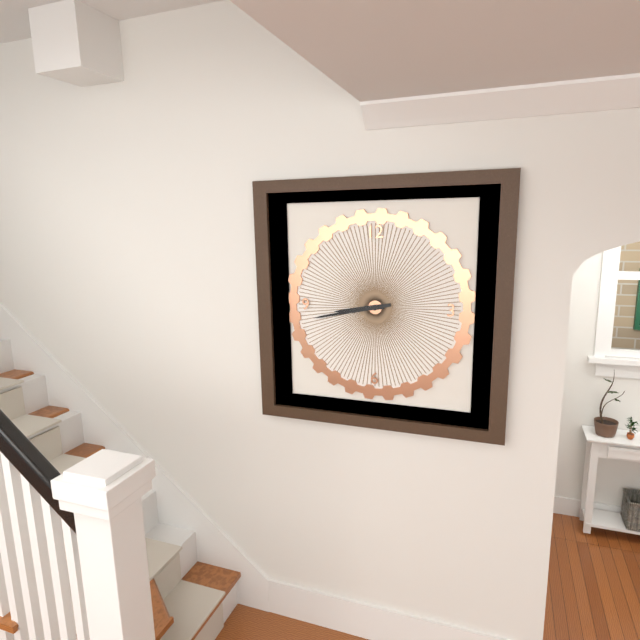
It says 8:43
